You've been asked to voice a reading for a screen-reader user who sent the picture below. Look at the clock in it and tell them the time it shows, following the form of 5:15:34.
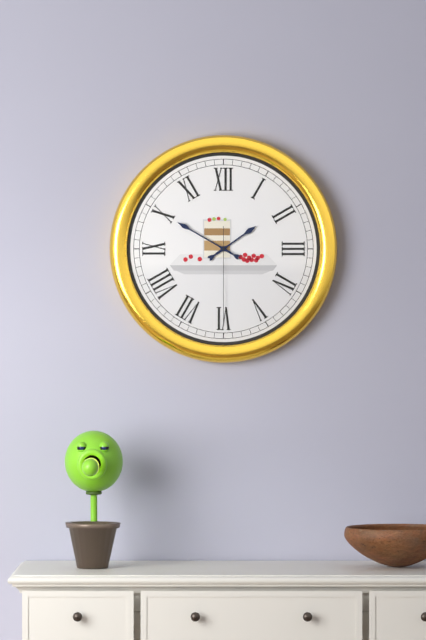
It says 1:50:30
